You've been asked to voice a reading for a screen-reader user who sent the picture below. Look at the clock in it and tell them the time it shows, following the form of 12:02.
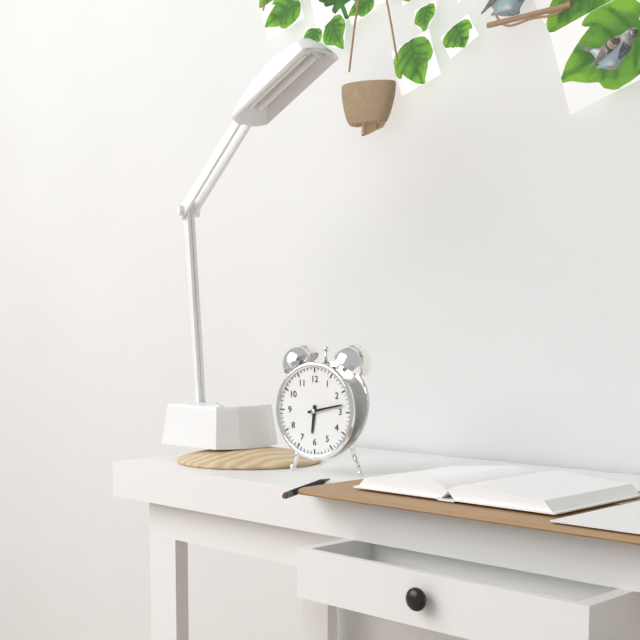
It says 6:13
